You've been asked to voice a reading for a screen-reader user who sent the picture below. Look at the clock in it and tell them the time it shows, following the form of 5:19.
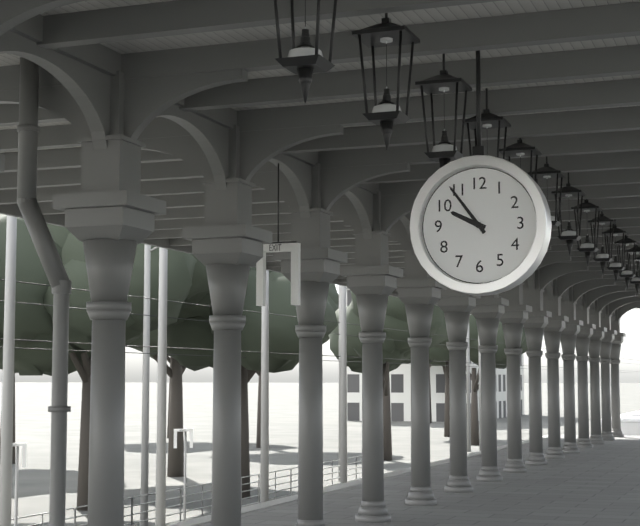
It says 9:54
